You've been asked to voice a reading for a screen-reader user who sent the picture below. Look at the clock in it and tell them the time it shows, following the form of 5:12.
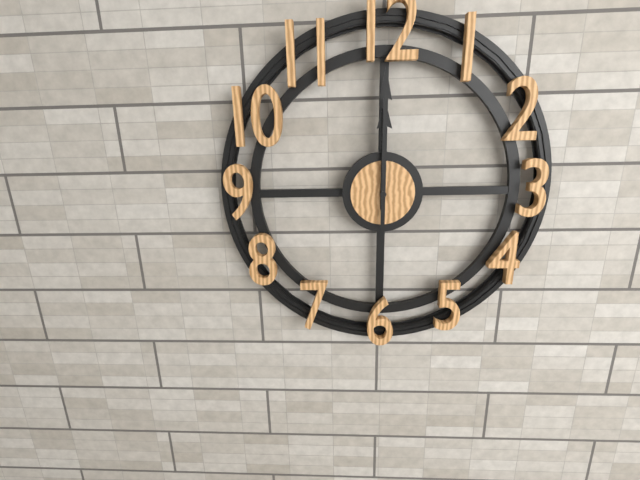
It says 12:00
